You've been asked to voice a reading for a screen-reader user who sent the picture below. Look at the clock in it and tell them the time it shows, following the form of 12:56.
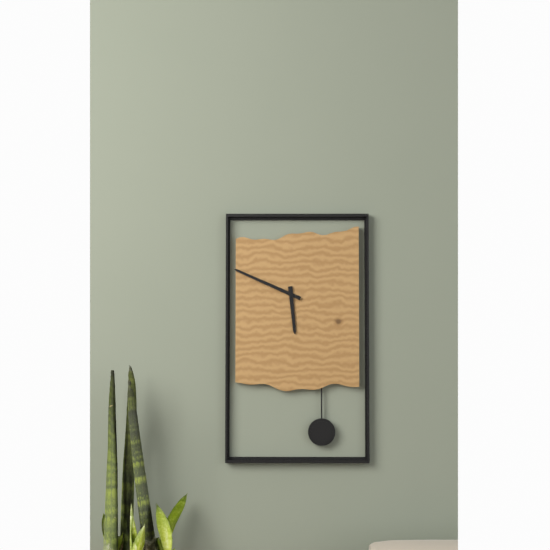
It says 5:49
